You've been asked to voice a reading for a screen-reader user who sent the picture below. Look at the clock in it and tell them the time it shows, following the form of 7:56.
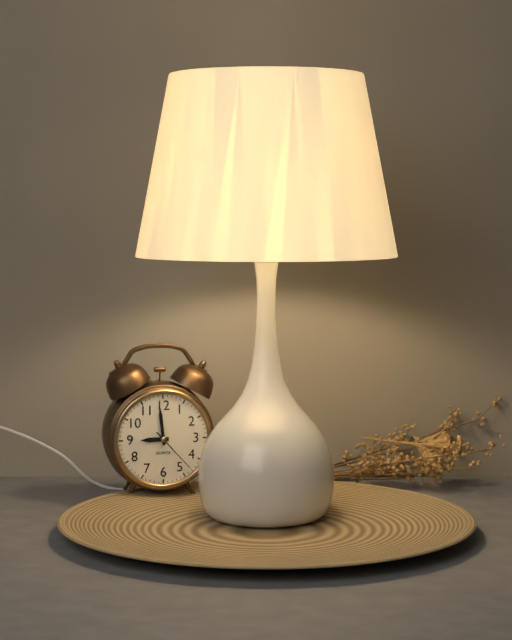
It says 8:59
